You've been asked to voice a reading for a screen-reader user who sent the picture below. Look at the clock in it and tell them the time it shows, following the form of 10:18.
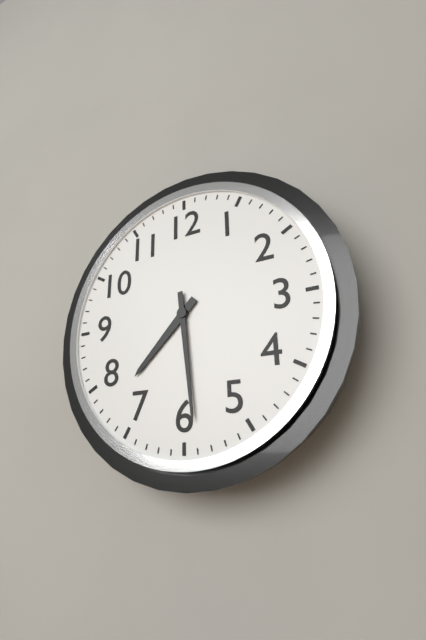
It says 7:29
